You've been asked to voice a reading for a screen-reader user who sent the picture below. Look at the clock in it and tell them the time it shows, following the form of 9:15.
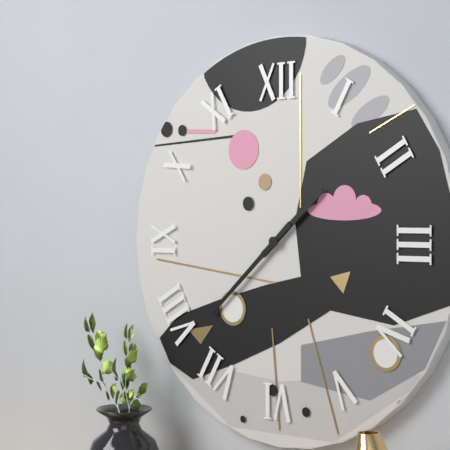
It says 1:38
